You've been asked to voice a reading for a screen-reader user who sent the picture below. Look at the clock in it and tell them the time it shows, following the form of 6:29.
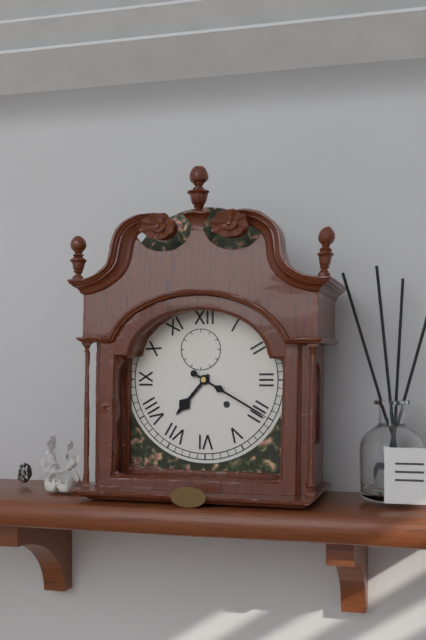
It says 7:20
